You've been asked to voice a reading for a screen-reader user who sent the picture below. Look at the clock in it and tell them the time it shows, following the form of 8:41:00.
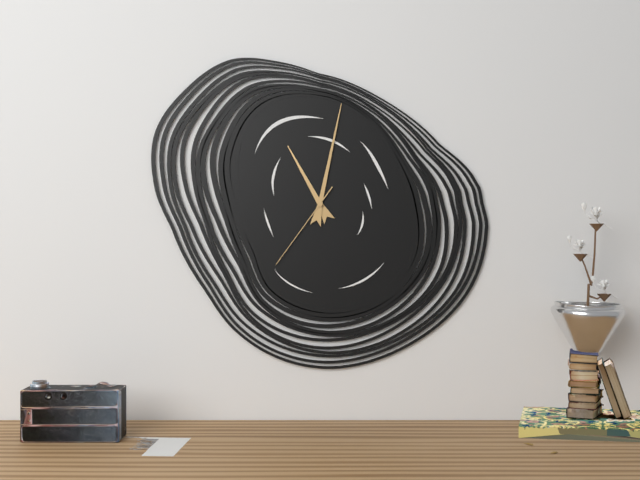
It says 11:02:36
